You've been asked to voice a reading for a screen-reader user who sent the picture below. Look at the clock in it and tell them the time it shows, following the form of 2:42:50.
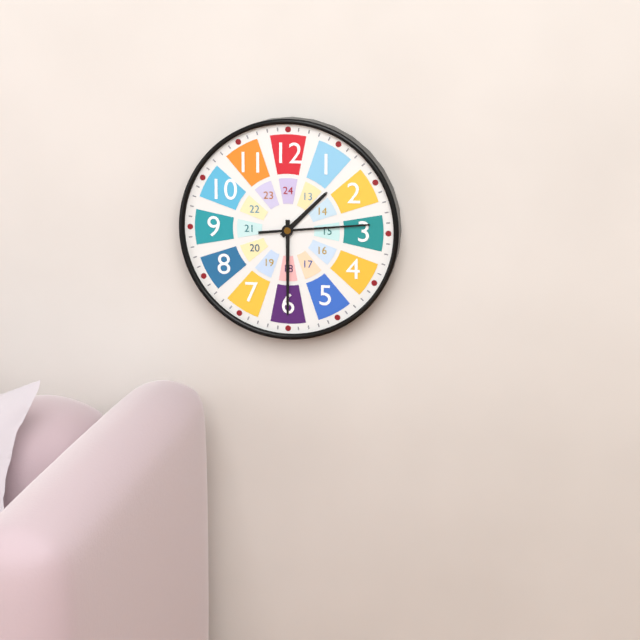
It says 1:30:14
